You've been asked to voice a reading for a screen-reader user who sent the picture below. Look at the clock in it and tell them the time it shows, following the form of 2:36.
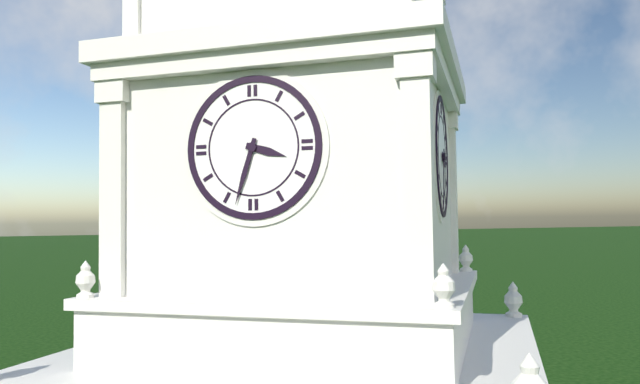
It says 3:33
